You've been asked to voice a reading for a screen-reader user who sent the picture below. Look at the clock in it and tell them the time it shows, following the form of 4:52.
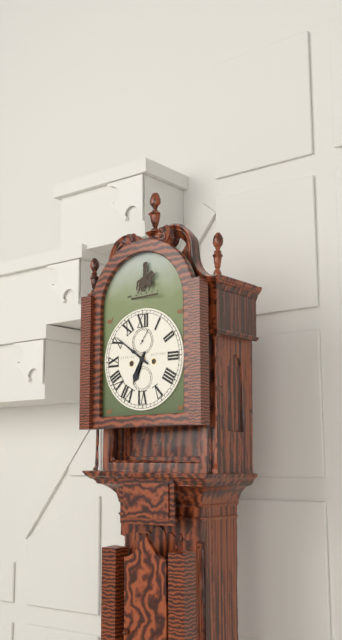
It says 6:51
